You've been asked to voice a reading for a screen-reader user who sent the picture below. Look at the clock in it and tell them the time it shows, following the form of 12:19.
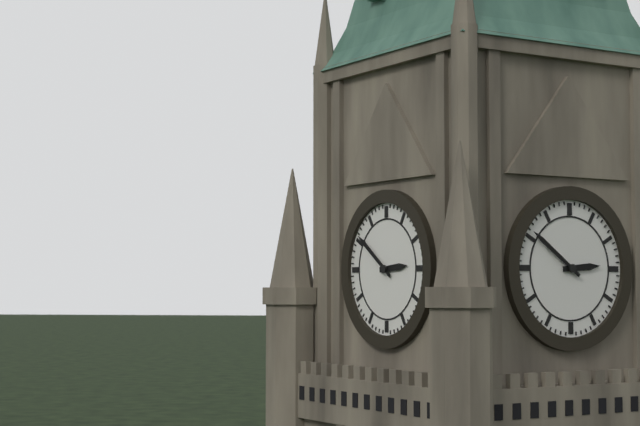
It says 2:51
